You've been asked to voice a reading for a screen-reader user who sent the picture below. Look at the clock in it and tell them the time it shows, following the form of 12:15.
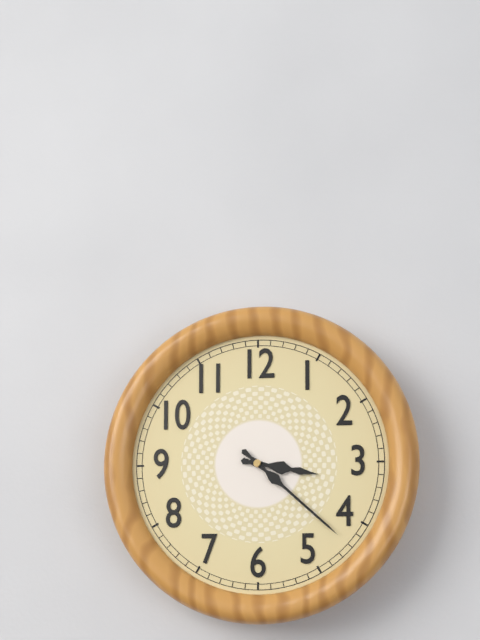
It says 3:22
